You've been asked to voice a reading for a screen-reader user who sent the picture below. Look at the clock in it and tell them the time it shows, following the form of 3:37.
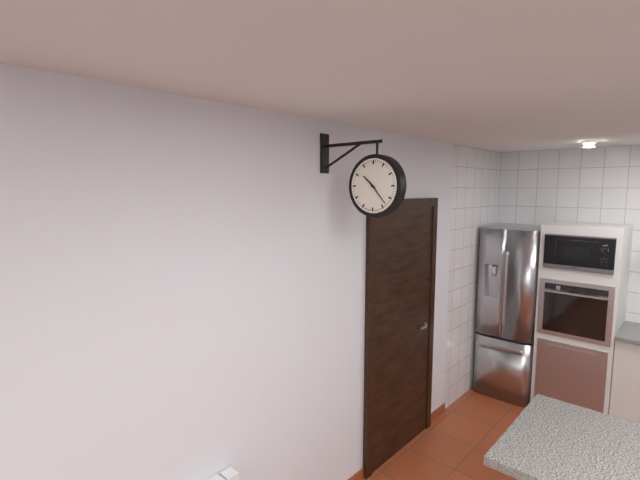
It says 10:23
